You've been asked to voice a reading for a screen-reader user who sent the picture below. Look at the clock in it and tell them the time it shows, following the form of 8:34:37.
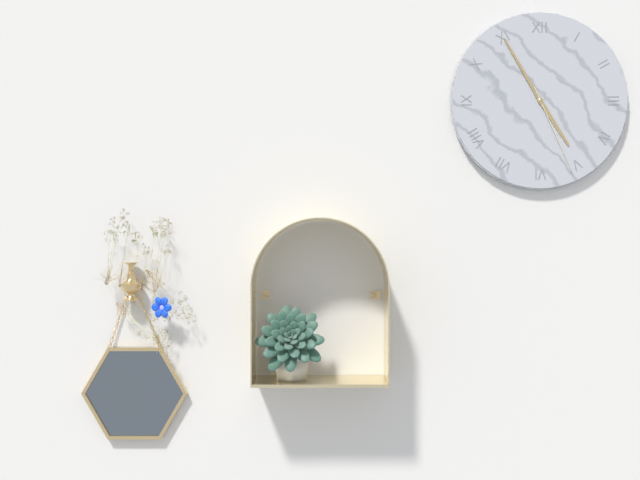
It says 4:55:26
